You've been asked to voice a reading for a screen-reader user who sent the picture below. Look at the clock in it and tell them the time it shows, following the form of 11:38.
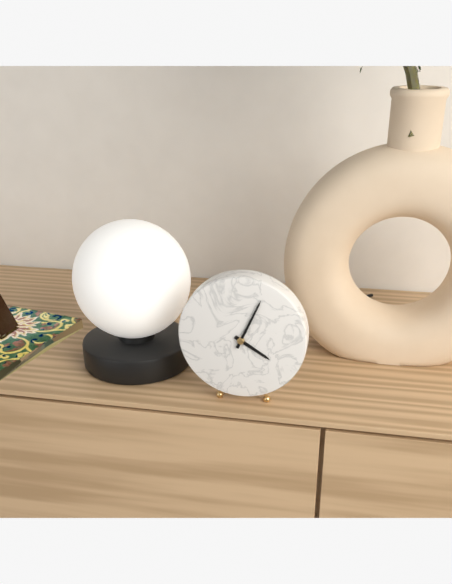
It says 4:04
